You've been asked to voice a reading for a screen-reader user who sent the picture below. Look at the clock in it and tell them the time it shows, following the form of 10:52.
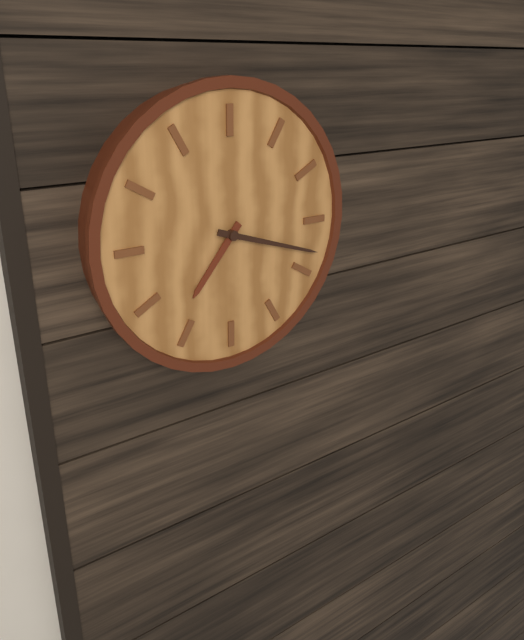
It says 7:18
